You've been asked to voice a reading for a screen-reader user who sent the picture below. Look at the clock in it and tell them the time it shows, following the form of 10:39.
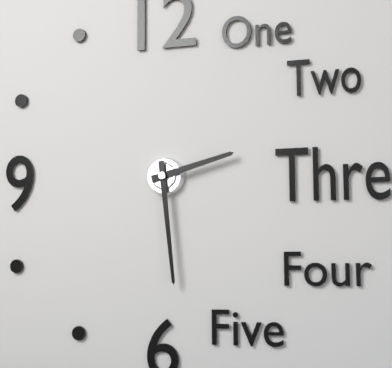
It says 2:29
